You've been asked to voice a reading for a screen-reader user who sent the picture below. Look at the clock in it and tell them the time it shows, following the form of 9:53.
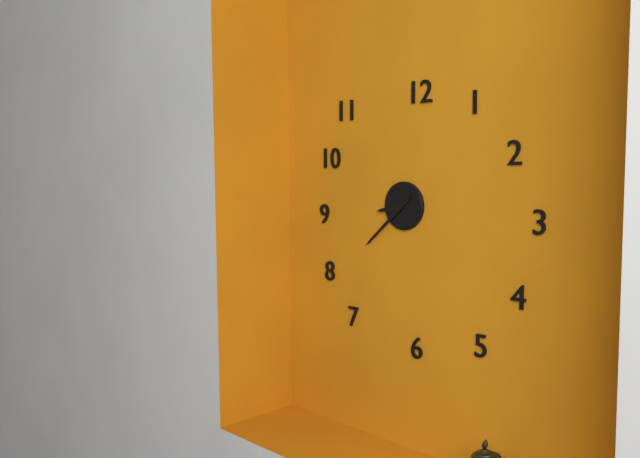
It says 8:38
